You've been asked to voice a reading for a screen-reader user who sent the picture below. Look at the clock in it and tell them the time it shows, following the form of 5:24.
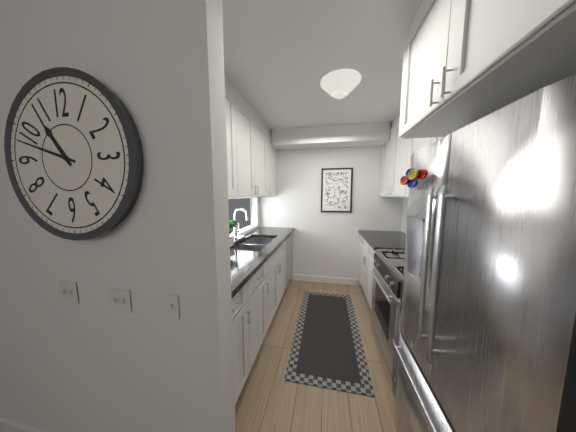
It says 10:48
